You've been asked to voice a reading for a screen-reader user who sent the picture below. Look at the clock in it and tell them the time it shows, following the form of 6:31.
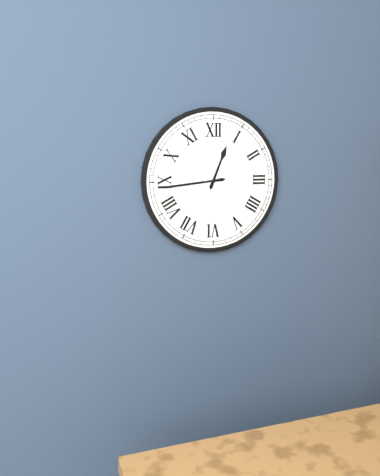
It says 12:44
